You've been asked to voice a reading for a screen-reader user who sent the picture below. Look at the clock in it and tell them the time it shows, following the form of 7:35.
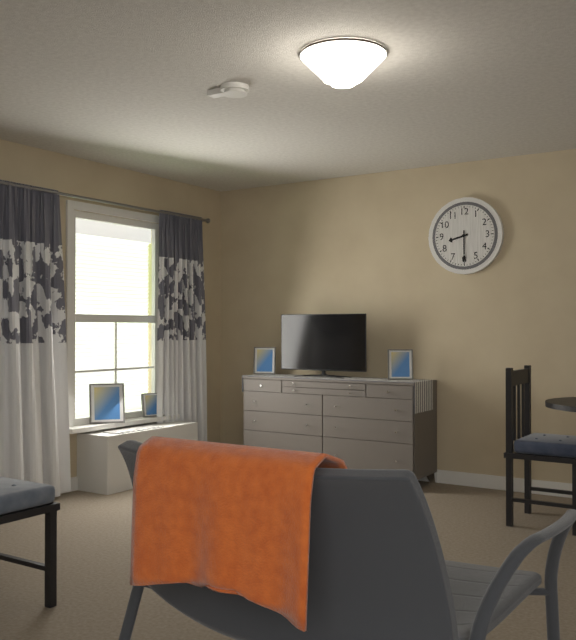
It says 8:30
